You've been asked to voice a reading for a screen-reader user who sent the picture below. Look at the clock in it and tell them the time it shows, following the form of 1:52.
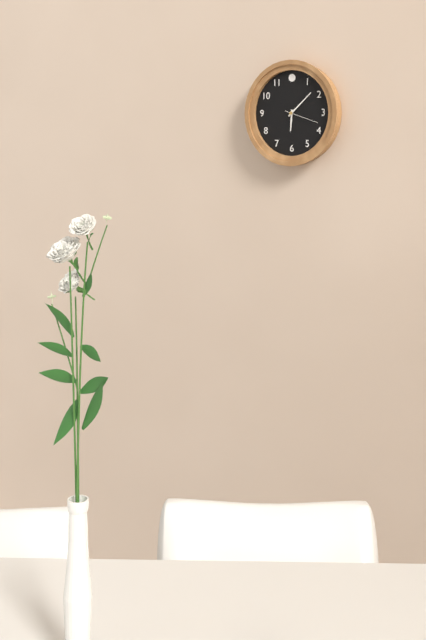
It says 6:08
